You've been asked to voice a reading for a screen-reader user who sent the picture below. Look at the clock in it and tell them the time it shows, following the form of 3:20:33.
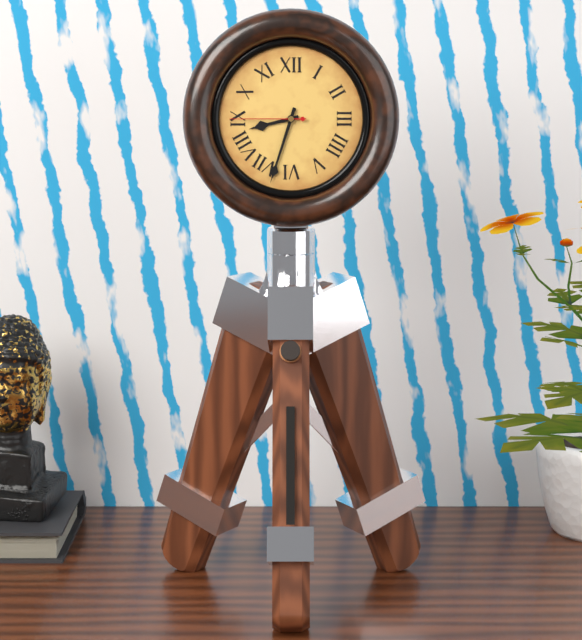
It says 8:33:45
